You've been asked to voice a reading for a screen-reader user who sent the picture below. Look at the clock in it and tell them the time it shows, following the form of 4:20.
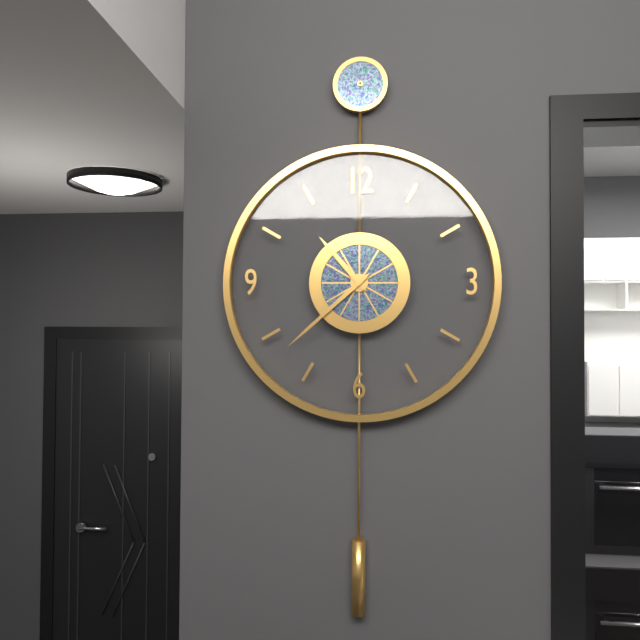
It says 10:38
